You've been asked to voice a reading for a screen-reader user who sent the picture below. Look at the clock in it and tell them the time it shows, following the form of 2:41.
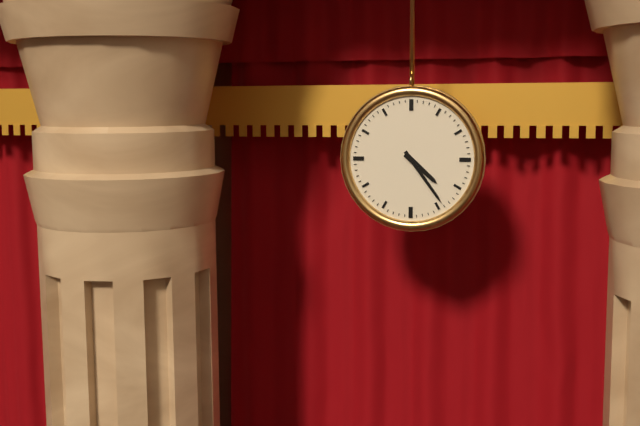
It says 4:24
